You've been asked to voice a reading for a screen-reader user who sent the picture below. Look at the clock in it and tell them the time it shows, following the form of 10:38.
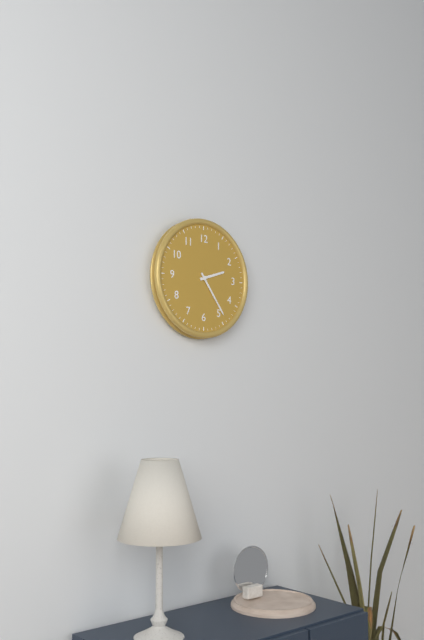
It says 2:24
